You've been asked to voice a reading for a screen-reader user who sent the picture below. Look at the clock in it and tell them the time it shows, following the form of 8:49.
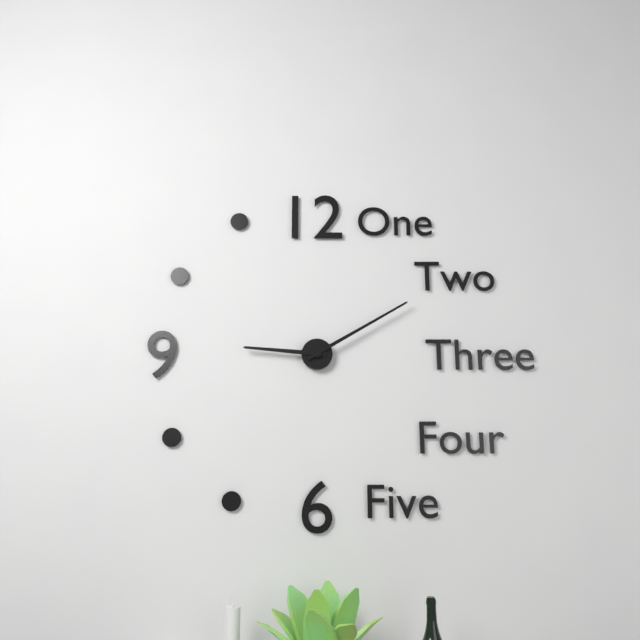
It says 9:10
